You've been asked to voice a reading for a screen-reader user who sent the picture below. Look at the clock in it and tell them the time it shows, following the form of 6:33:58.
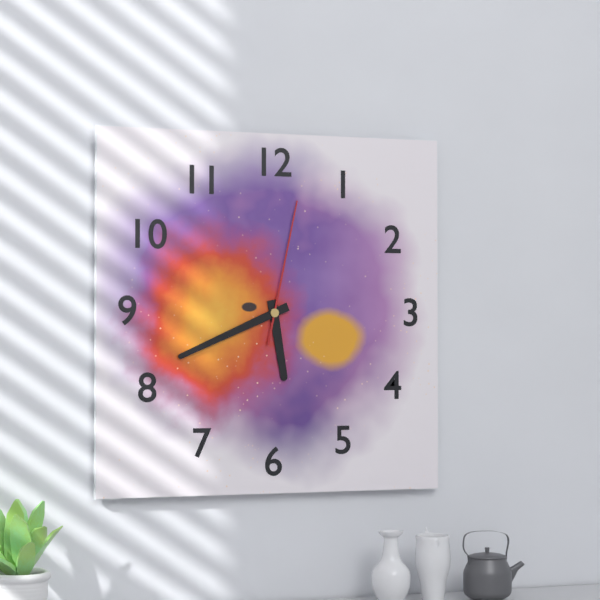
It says 5:41:02
